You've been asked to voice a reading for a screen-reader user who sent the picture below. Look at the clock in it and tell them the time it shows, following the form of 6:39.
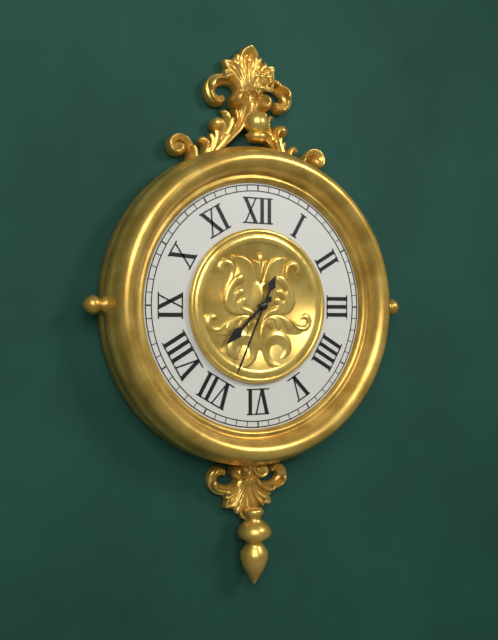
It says 7:34
